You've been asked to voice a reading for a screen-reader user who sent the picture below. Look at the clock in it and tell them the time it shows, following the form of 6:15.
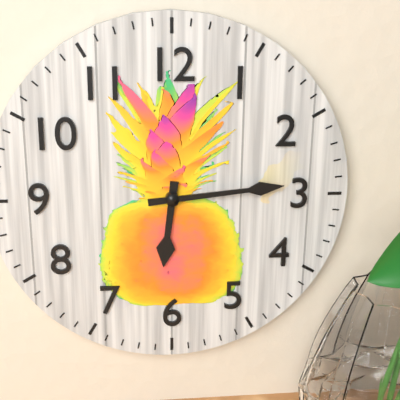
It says 6:14
